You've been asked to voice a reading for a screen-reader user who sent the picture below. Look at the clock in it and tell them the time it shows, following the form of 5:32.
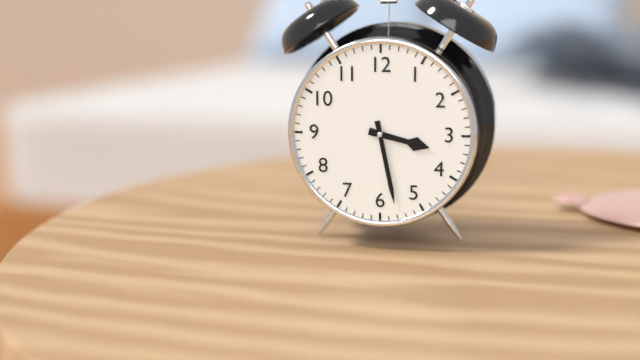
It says 3:28
